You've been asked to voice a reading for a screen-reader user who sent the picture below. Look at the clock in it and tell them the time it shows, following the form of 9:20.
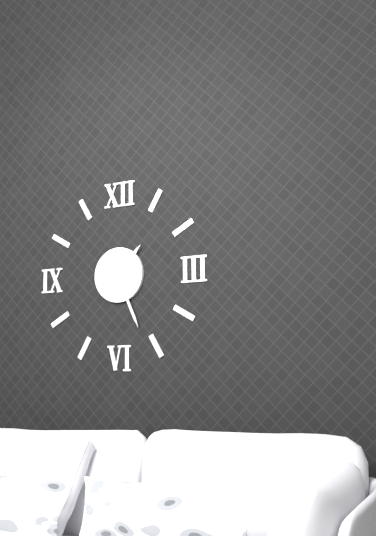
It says 1:26
